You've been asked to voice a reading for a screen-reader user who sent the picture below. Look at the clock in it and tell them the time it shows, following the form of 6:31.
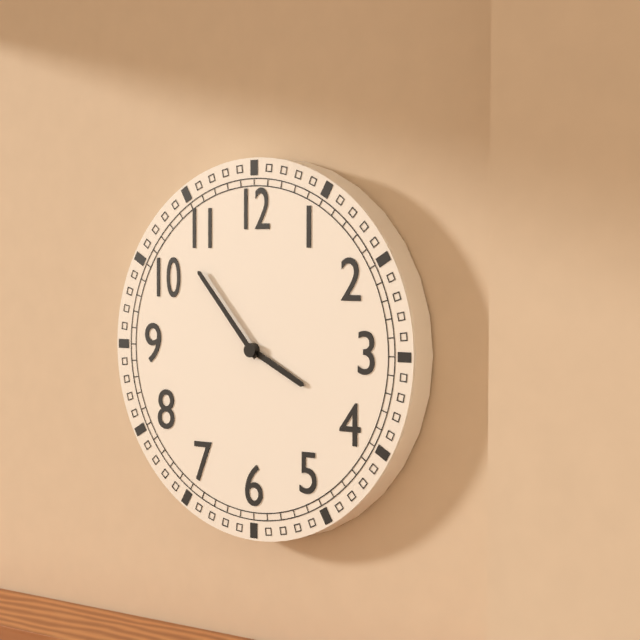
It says 3:53
